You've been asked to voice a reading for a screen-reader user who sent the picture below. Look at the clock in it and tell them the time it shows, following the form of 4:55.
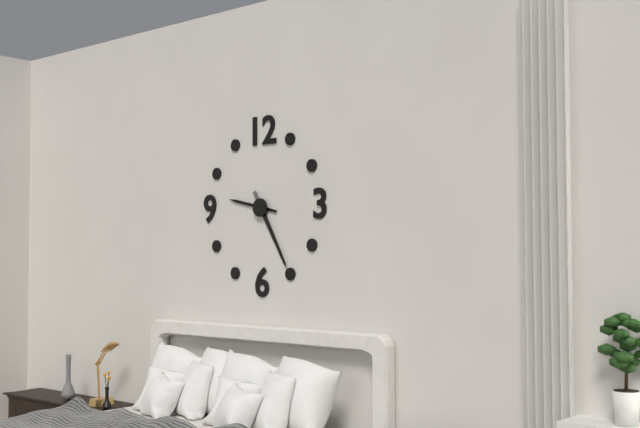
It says 9:25
